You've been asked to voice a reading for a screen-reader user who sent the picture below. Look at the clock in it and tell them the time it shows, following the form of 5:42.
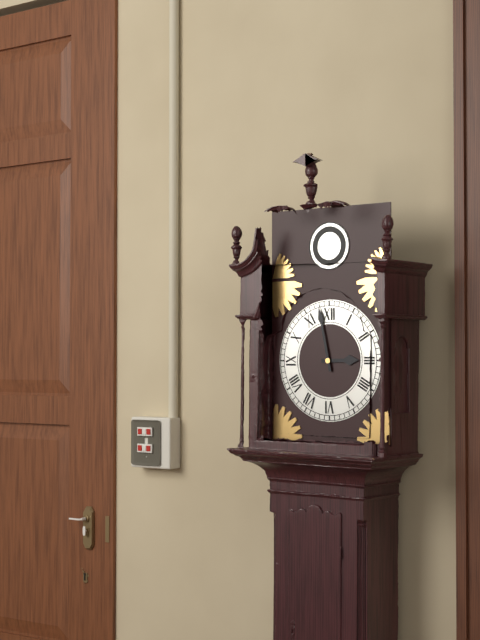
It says 2:58
